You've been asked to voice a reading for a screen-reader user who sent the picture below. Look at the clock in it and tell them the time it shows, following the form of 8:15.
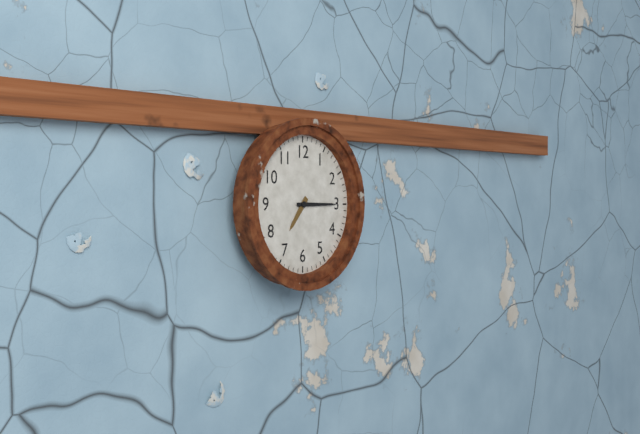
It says 7:15
